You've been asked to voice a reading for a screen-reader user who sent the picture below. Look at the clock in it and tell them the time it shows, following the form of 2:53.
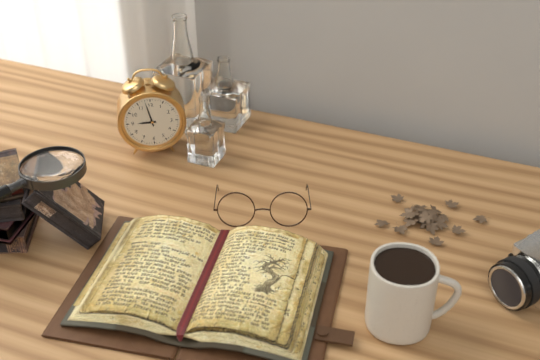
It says 8:58
